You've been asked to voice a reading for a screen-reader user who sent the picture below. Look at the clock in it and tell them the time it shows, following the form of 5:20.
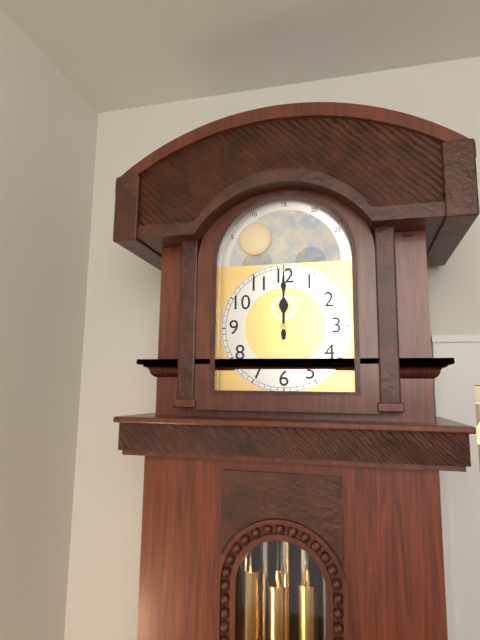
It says 12:00
